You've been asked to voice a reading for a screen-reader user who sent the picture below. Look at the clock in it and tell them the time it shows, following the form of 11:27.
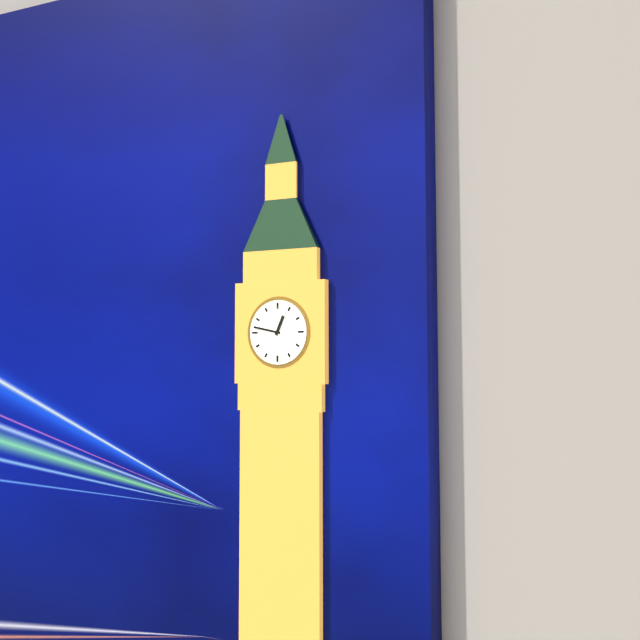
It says 12:47
